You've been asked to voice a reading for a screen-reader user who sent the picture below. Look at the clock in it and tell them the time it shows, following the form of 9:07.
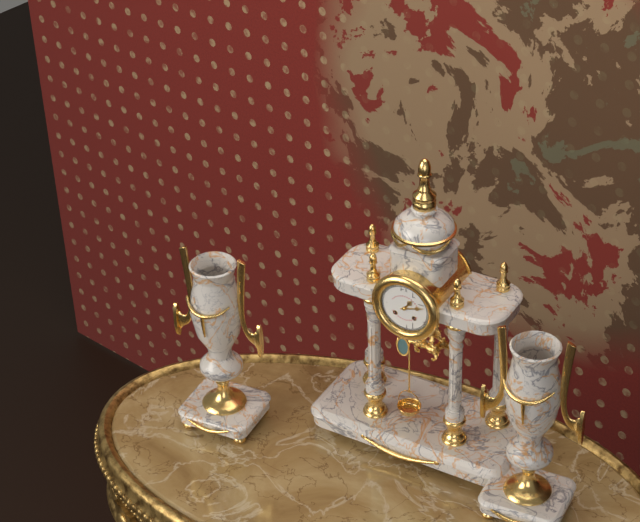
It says 1:12
